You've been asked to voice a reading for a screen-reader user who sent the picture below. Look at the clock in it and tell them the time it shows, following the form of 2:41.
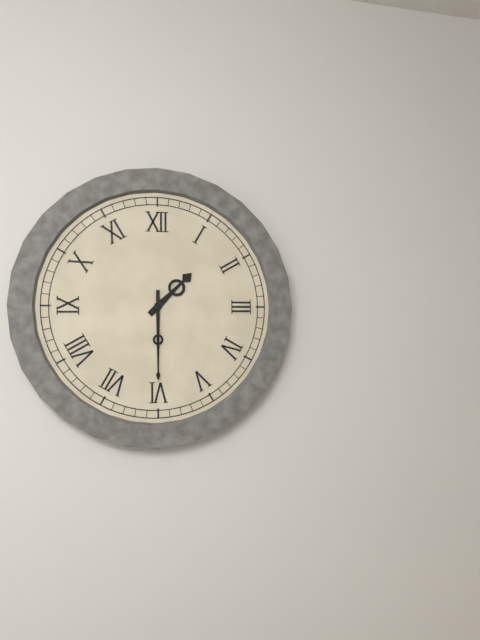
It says 1:30
